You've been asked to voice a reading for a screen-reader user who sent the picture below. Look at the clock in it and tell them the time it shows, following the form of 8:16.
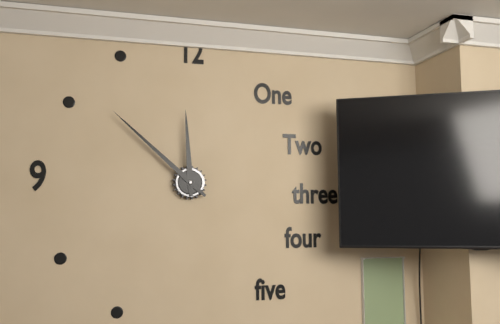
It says 11:52
